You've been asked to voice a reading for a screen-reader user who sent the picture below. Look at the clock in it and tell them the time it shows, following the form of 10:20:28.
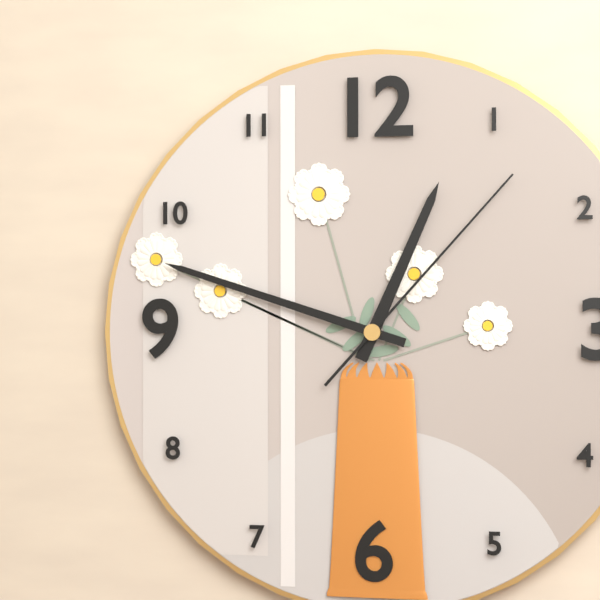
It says 12:48:07
